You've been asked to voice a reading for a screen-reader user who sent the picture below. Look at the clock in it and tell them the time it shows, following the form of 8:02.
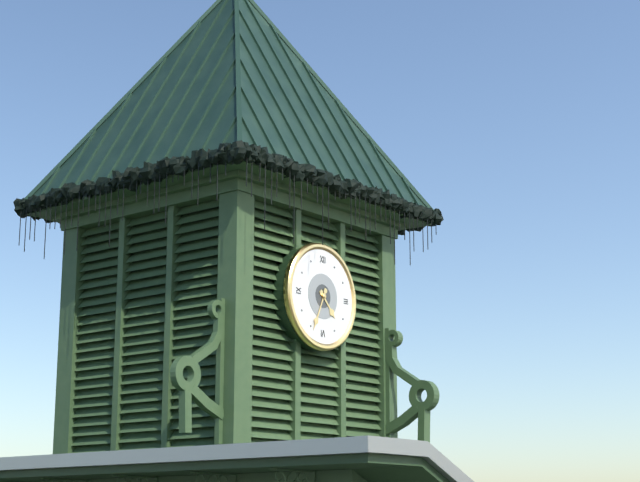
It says 4:34
